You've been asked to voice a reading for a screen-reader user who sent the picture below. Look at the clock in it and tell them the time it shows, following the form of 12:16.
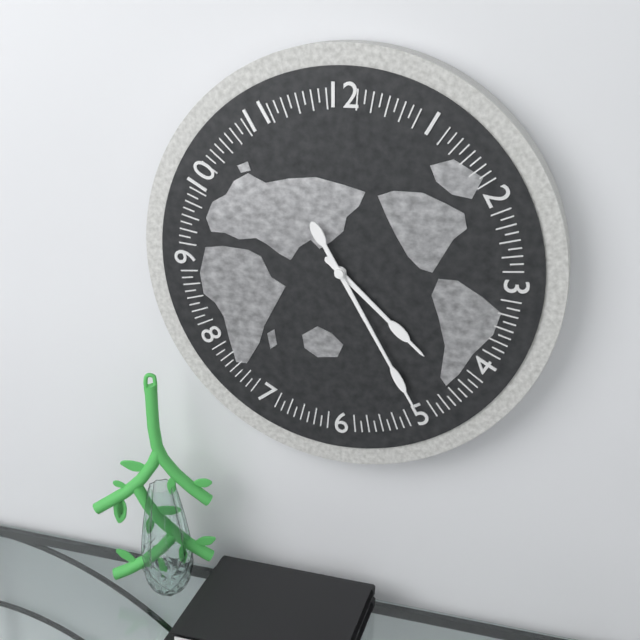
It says 4:25
